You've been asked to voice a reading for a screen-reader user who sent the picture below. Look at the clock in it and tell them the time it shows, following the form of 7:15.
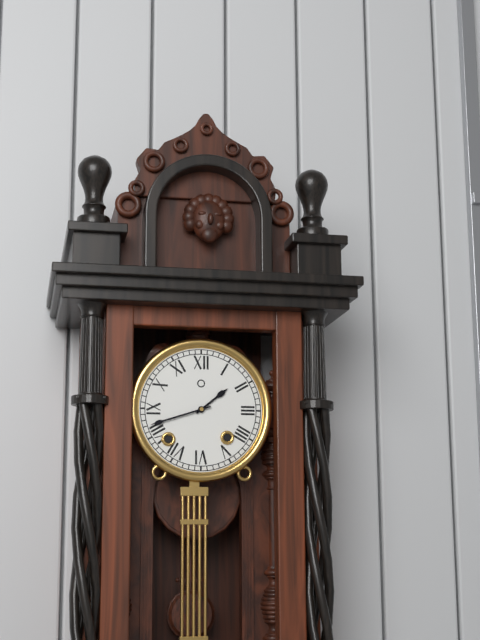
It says 1:42
